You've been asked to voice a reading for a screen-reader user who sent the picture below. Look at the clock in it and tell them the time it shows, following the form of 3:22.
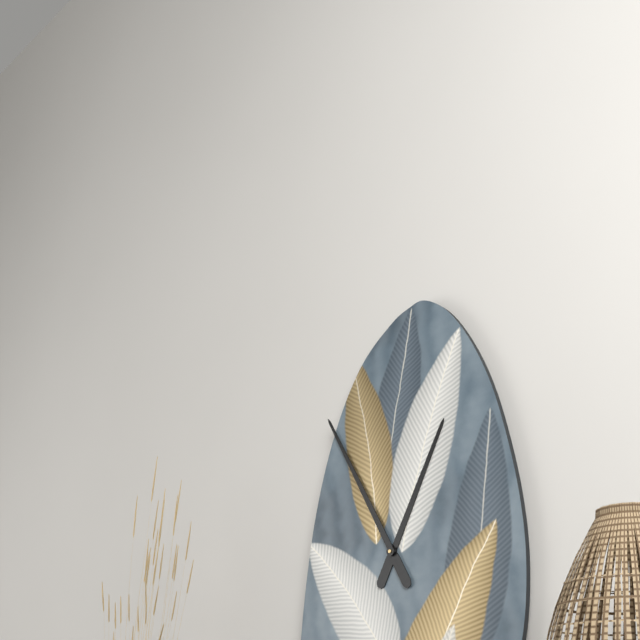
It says 12:55
